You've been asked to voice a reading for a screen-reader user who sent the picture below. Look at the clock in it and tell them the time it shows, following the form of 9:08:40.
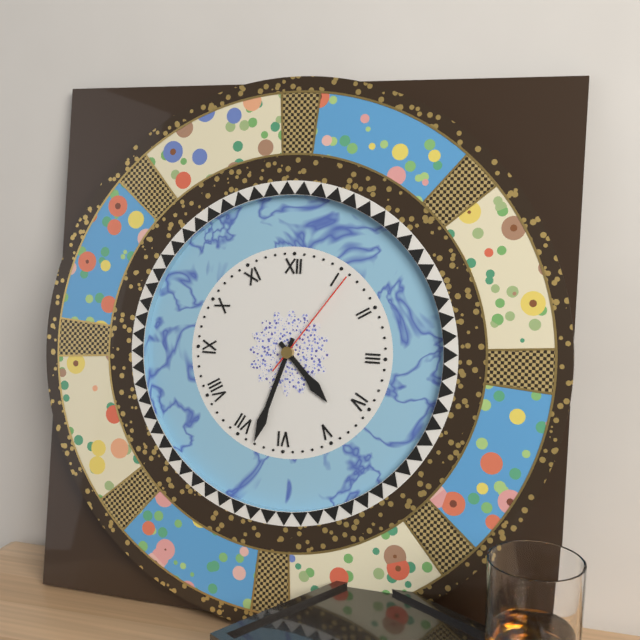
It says 4:33:06
